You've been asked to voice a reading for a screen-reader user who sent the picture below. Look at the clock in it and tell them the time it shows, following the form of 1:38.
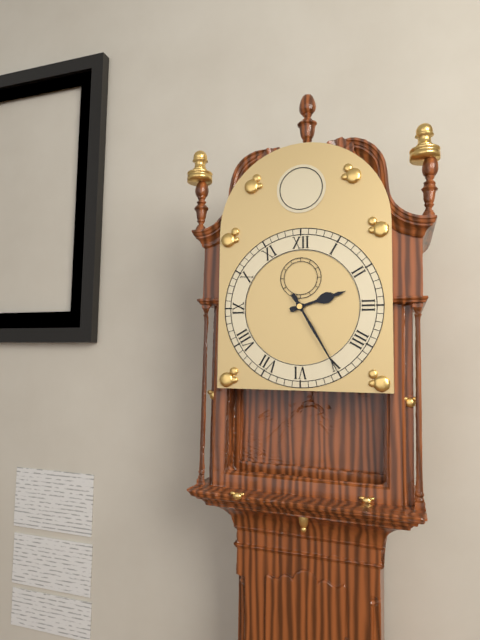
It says 2:25
